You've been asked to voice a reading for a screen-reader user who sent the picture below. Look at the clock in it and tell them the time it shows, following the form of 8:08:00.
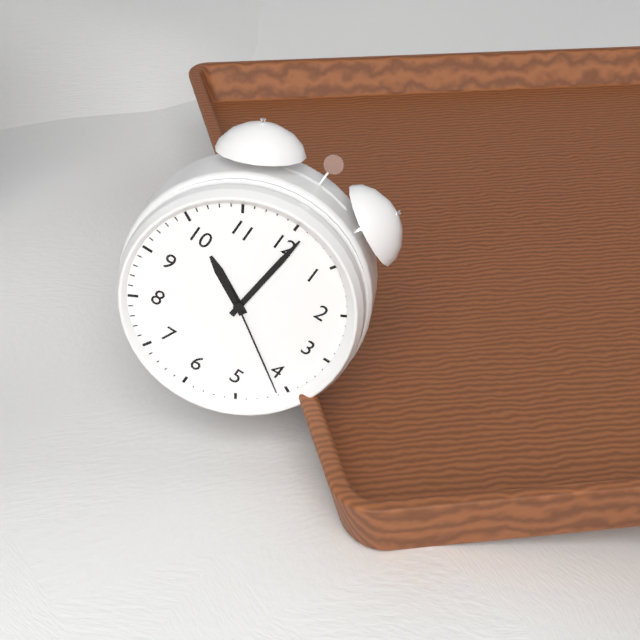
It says 10:01:21
